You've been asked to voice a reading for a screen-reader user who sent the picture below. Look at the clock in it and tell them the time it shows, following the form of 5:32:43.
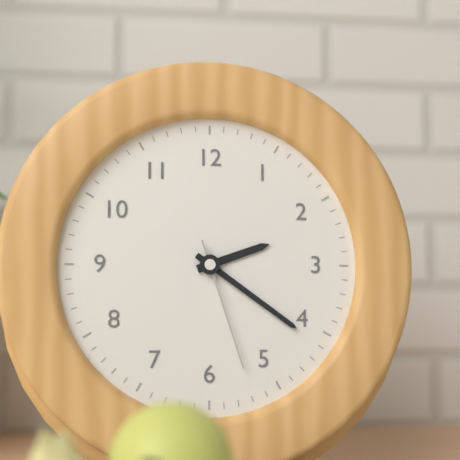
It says 2:21:27
